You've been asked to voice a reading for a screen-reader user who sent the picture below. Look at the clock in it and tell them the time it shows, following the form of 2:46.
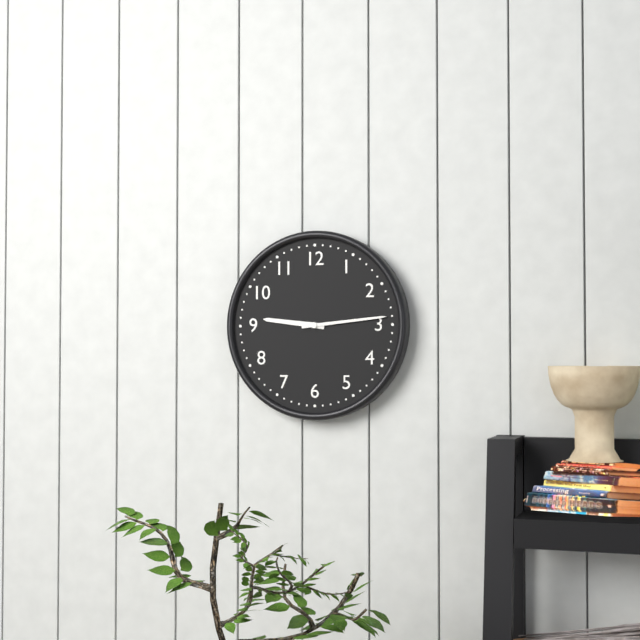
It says 9:14
